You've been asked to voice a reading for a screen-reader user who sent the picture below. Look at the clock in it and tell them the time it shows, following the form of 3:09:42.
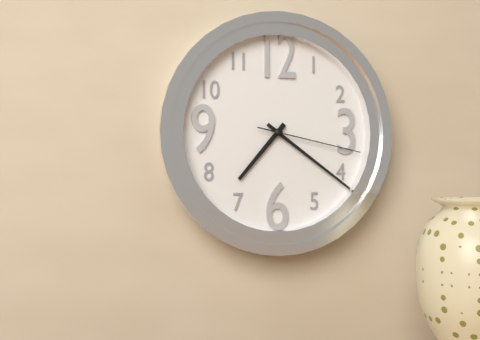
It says 7:21:17
